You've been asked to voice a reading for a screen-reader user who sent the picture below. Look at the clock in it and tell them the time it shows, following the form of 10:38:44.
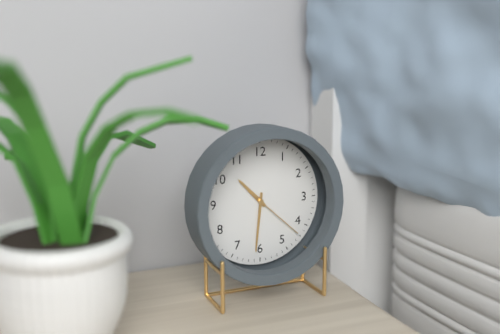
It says 10:31:22
